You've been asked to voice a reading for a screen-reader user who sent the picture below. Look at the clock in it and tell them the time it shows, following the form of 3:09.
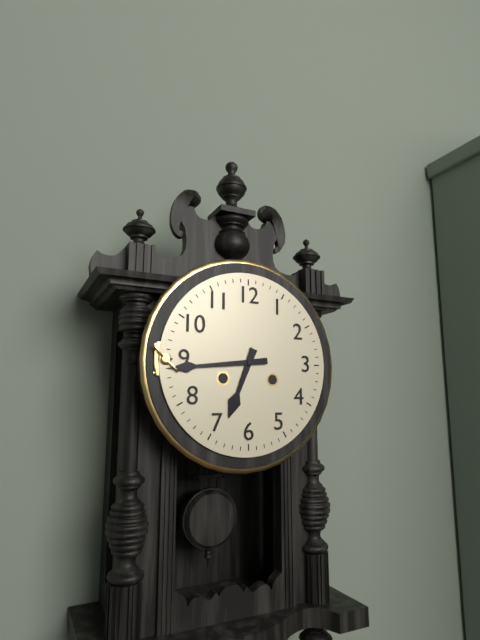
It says 6:44
